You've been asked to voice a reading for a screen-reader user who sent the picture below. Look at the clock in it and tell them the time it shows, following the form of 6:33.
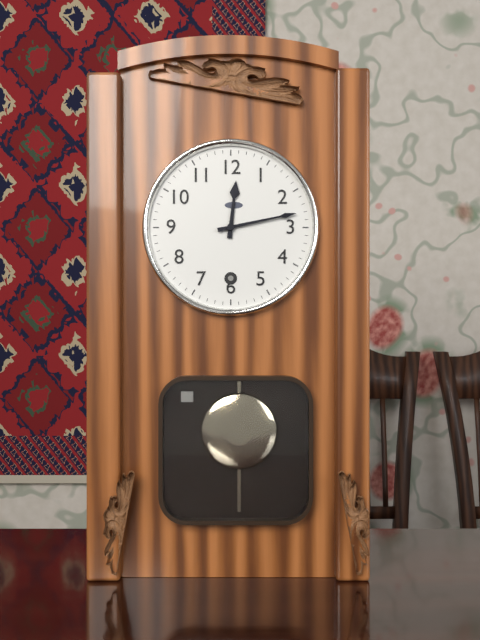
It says 12:13
